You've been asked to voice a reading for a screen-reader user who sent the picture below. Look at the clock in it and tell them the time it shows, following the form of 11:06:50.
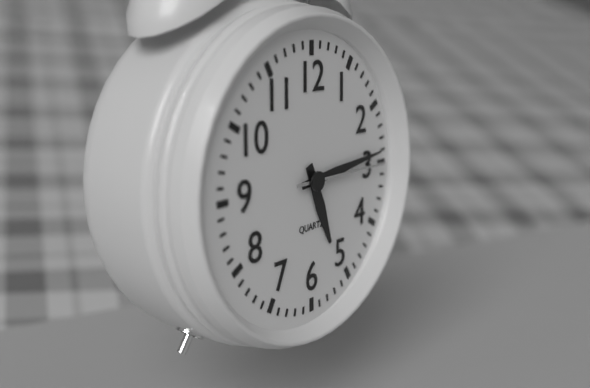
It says 5:14:15
